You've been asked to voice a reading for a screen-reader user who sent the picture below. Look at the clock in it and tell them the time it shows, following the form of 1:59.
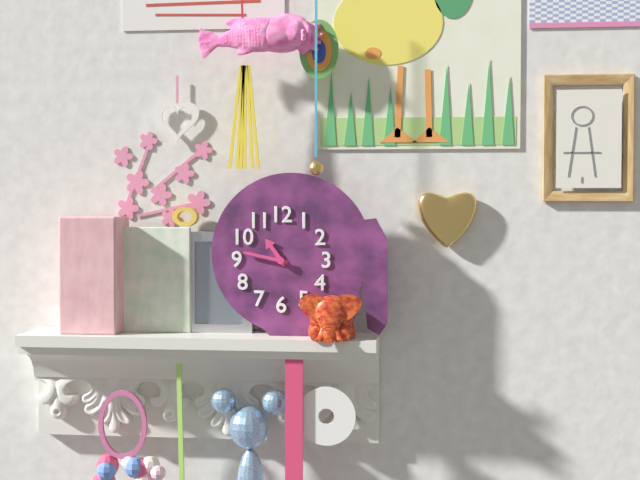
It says 10:47
